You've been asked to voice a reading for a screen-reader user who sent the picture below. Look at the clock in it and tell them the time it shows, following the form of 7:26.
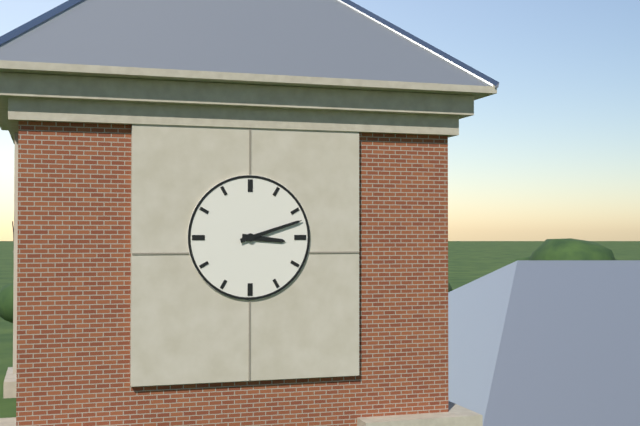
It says 3:12
